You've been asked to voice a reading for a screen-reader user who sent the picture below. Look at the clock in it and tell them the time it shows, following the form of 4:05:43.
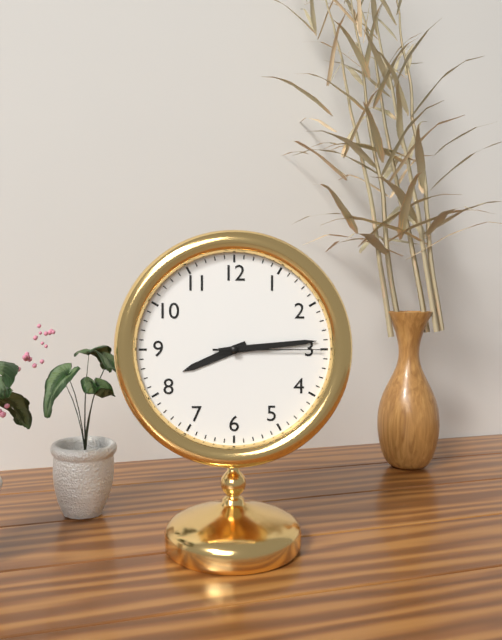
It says 8:14:15
